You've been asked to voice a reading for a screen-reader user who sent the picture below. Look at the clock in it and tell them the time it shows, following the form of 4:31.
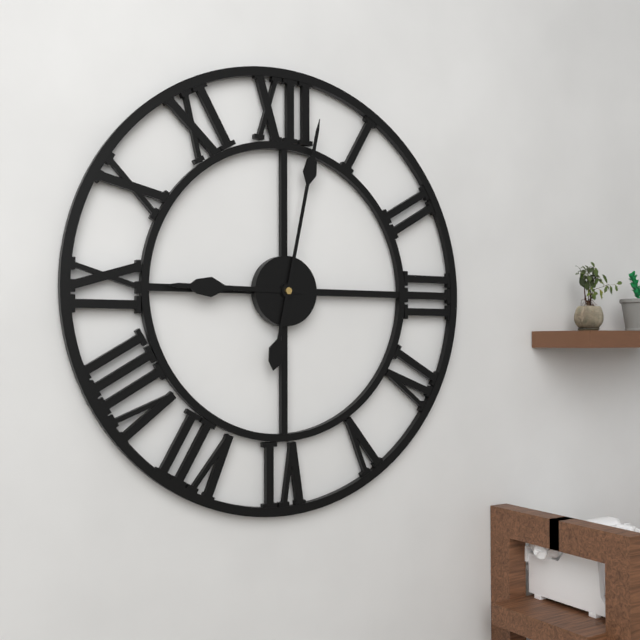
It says 9:02
